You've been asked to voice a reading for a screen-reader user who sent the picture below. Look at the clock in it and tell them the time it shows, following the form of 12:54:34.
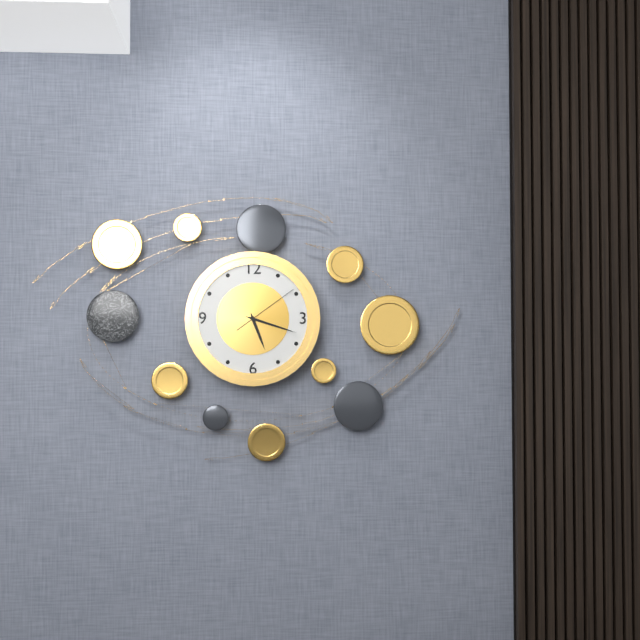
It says 5:18:09
